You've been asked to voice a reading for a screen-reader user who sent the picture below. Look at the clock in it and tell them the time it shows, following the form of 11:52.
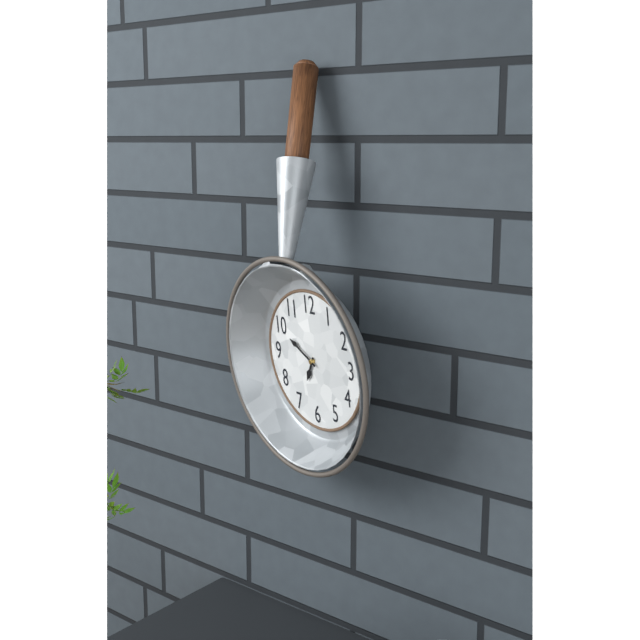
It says 6:50
